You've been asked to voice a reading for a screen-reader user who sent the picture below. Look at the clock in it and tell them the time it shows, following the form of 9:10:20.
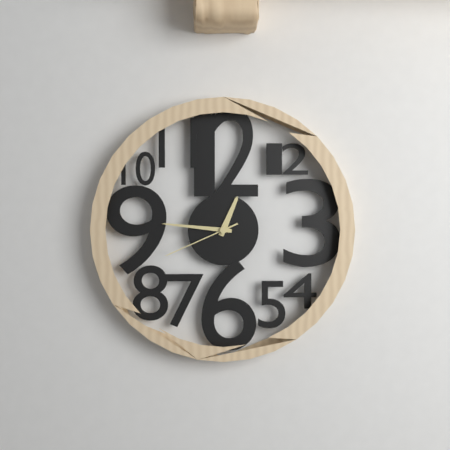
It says 12:46:41
